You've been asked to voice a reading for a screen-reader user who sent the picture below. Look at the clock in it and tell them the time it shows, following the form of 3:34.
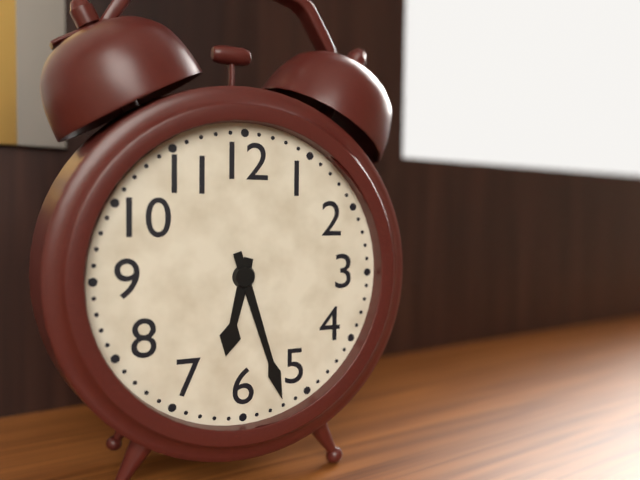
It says 6:27
